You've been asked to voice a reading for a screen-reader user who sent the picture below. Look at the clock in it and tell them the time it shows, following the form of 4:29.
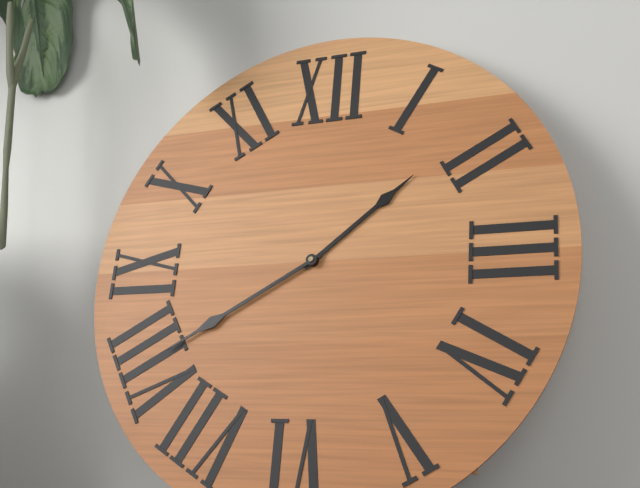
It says 1:40
